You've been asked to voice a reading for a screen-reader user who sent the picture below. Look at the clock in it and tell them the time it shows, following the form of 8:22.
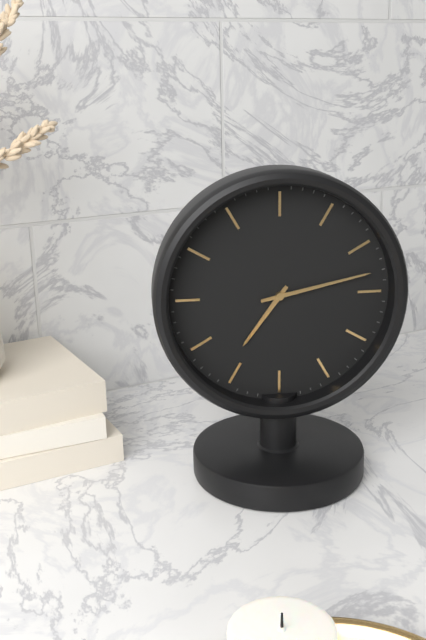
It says 7:13
